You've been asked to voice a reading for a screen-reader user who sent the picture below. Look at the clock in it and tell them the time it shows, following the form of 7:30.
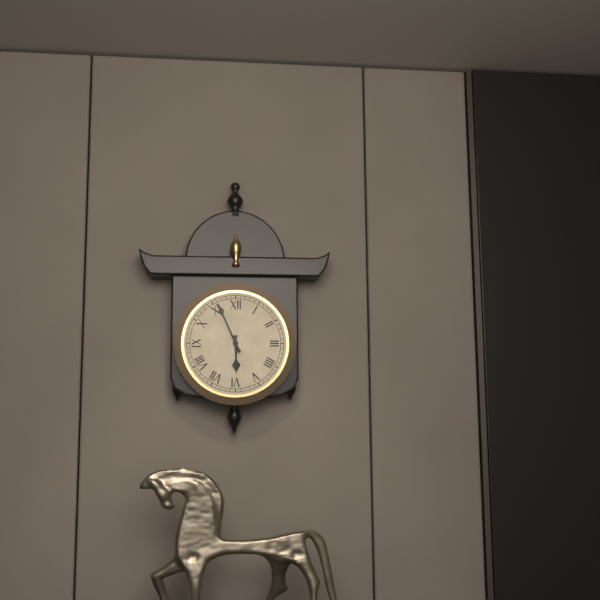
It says 5:56
